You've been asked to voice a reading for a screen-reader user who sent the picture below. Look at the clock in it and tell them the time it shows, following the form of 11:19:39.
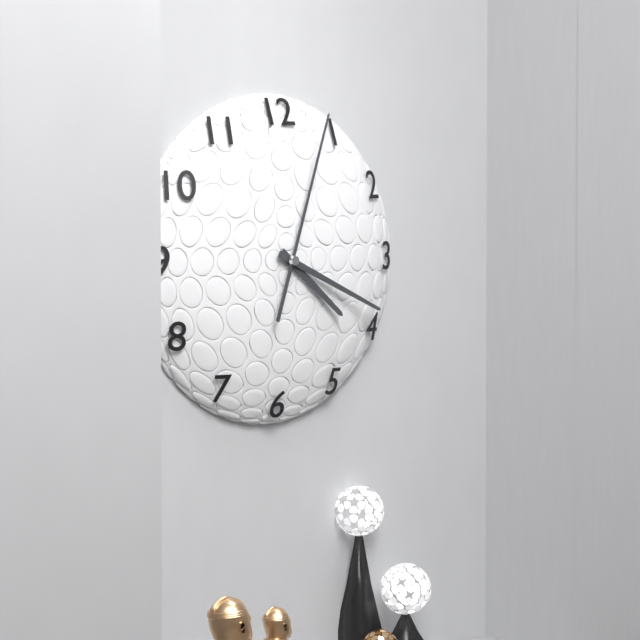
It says 4:19:03
